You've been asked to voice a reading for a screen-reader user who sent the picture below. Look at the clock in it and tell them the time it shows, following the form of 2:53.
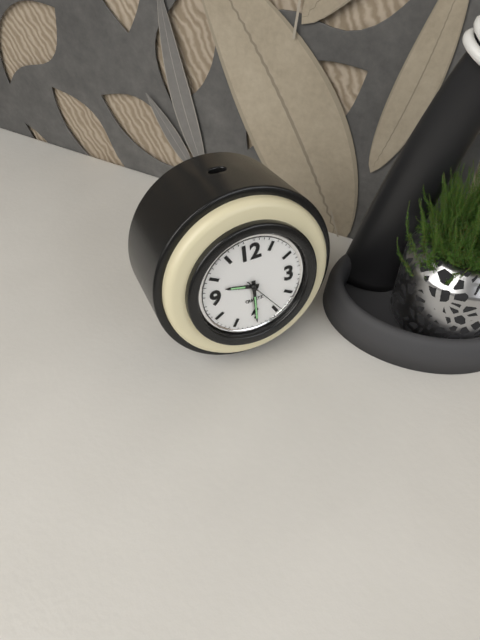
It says 9:30
